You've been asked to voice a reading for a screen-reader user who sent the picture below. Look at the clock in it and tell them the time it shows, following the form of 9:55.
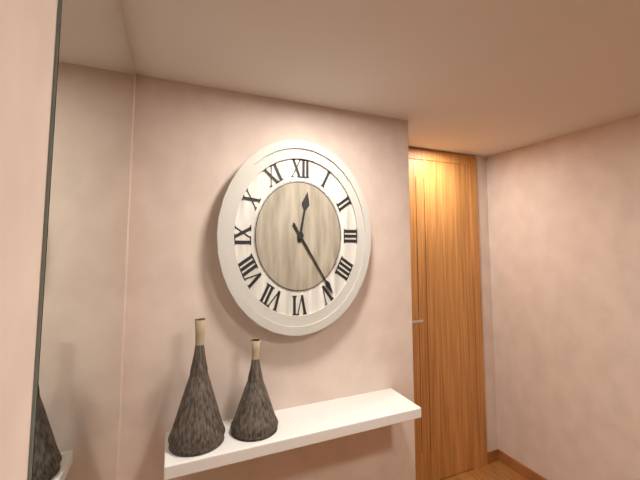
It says 12:24
